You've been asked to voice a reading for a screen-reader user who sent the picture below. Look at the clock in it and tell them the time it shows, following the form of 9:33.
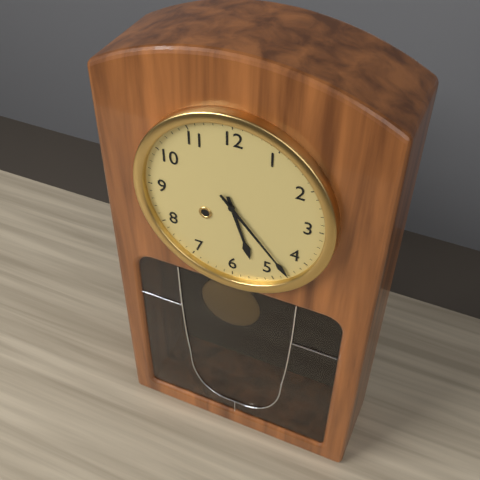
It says 5:23
